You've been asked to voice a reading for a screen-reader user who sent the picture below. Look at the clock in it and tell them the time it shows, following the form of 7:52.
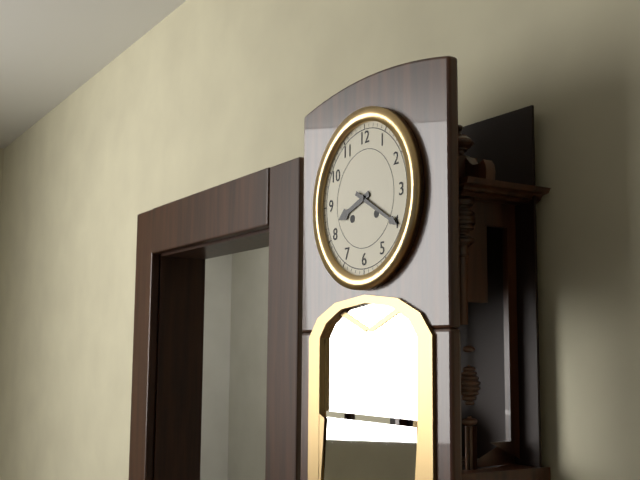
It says 8:20
